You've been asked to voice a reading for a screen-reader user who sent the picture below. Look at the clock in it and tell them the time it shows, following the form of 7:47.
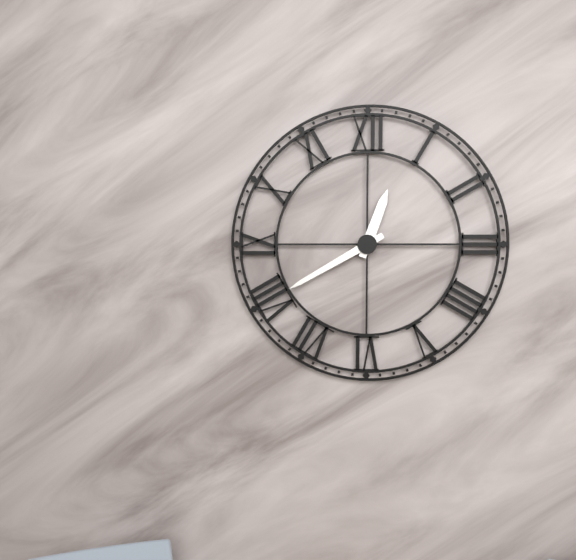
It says 12:40
